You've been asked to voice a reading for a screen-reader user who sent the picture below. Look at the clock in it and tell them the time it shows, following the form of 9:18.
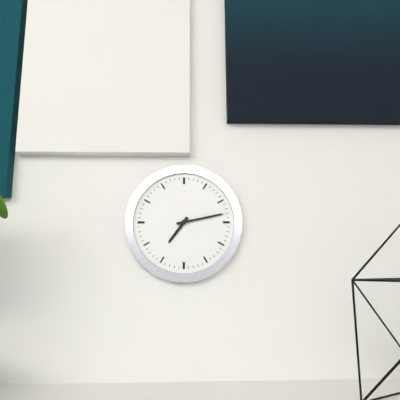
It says 7:13
